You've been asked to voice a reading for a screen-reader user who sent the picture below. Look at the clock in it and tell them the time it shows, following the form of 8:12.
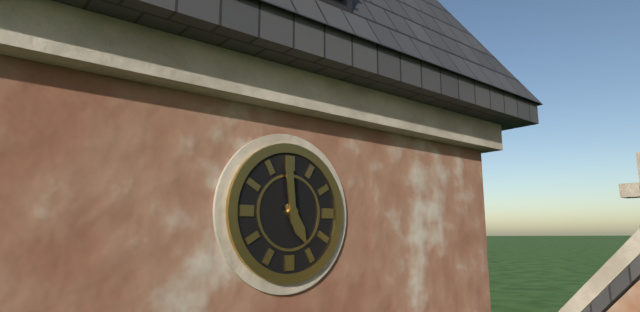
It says 4:59
